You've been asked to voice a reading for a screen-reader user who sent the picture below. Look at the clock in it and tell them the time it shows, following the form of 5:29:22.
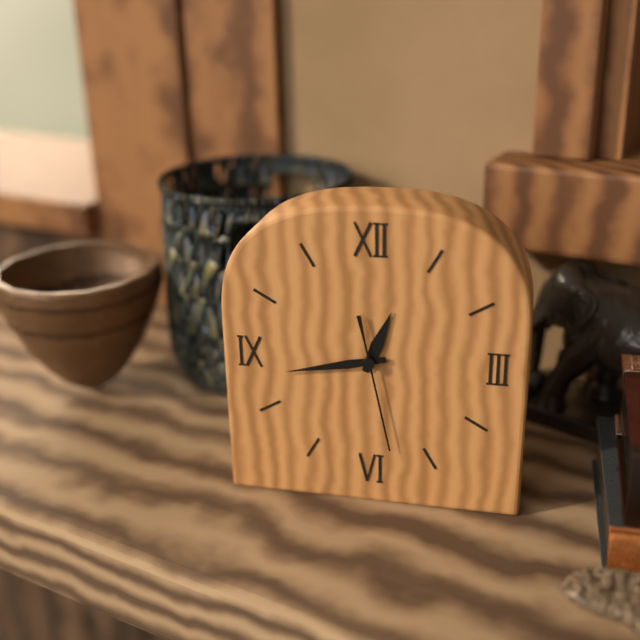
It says 12:43:28
